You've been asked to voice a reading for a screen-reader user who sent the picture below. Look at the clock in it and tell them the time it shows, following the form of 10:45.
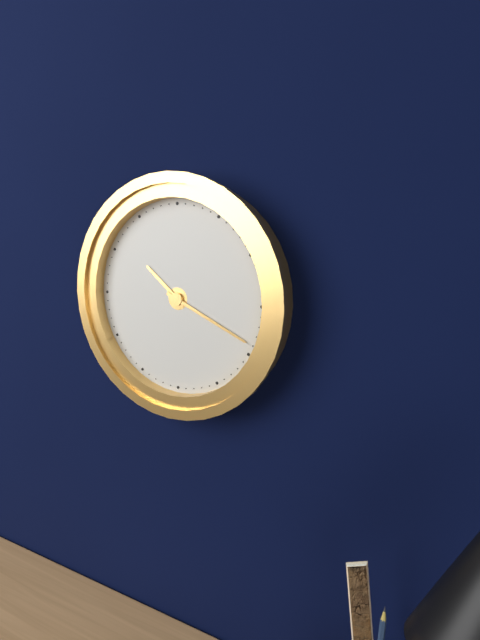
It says 10:19
